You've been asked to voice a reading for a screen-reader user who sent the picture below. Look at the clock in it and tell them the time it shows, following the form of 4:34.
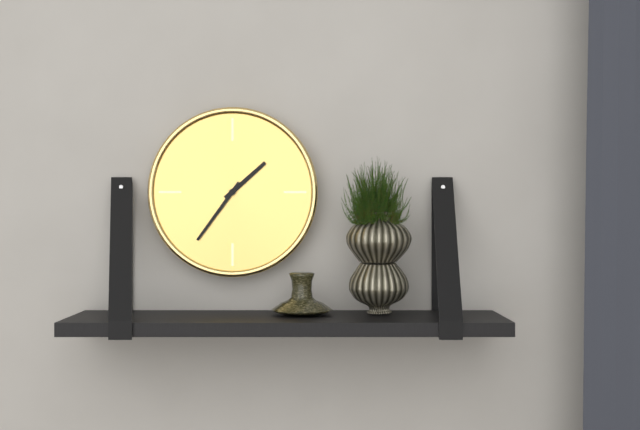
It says 1:36
